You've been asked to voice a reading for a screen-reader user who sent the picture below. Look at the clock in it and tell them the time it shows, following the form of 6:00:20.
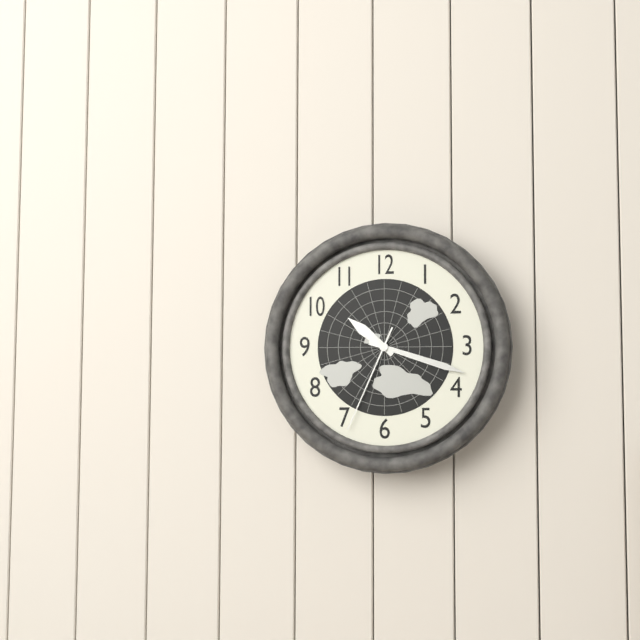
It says 10:18:34
